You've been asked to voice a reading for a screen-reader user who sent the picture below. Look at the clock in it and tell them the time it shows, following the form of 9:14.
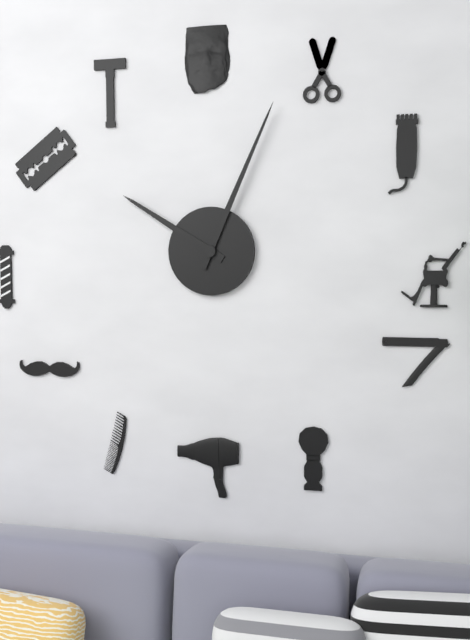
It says 10:04
